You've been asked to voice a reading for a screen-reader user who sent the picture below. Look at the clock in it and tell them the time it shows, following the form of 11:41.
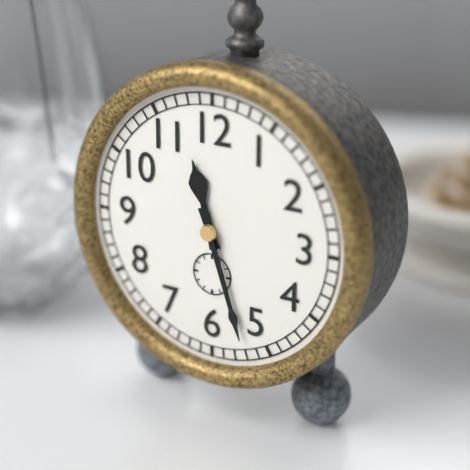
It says 11:27
